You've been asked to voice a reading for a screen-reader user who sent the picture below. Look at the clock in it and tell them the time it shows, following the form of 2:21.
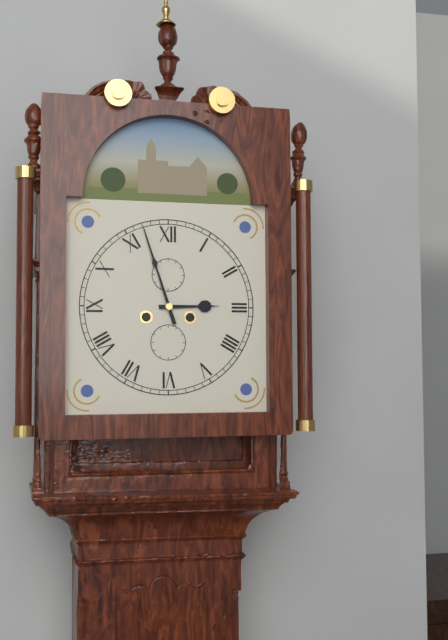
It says 2:57
